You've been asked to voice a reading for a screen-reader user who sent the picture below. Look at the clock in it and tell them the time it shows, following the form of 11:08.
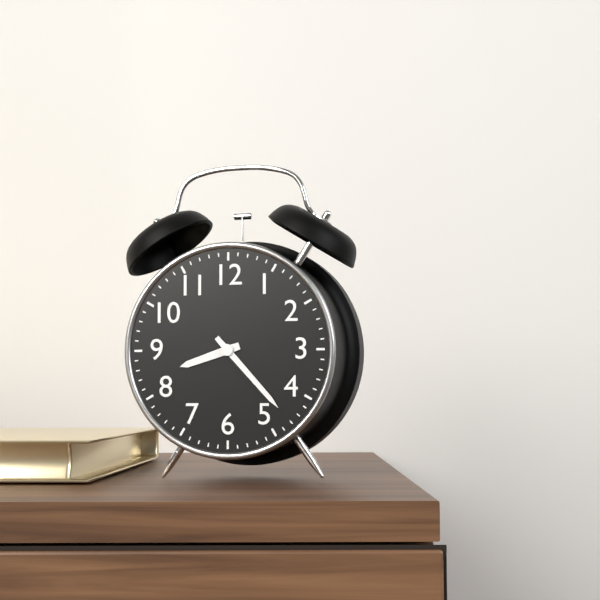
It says 8:23
